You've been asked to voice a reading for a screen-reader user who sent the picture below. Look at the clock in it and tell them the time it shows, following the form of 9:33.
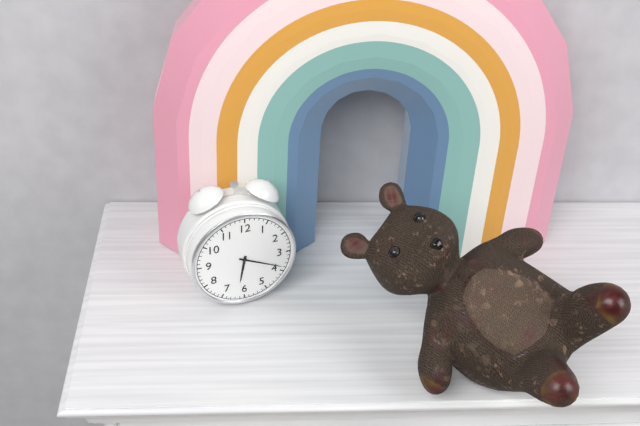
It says 6:19
